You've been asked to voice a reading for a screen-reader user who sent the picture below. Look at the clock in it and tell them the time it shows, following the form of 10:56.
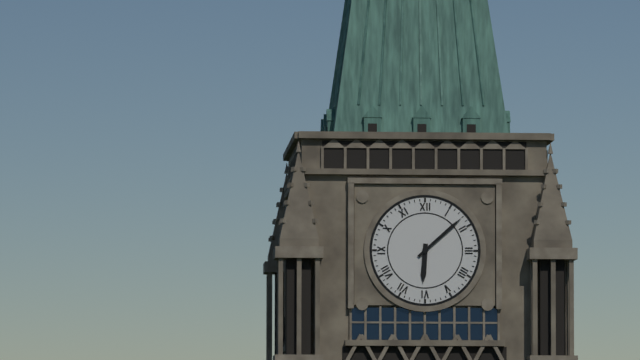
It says 6:08
